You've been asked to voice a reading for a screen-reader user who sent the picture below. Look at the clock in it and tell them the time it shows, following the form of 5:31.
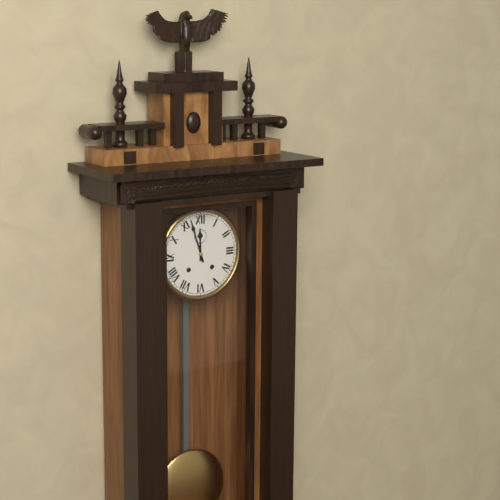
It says 11:57
